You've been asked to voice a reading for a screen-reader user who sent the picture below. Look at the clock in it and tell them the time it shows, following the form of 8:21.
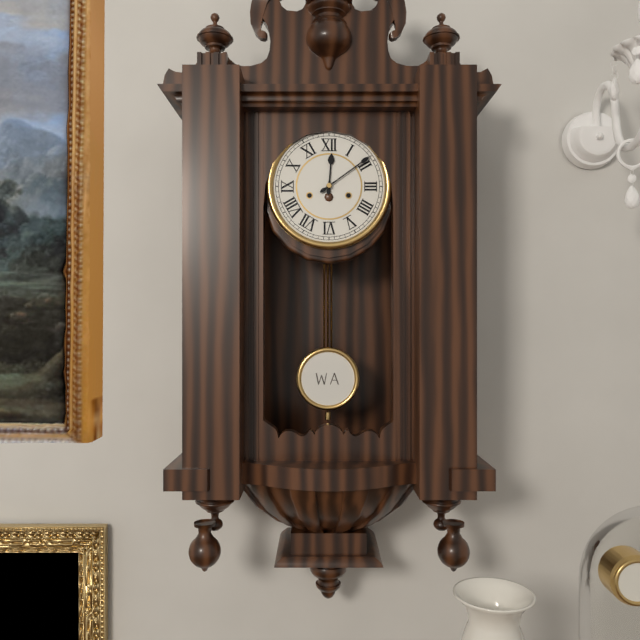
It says 12:09
